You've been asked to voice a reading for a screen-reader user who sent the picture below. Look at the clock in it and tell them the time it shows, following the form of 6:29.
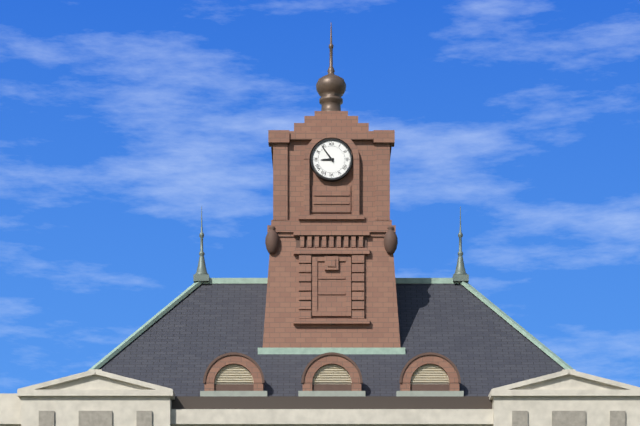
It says 8:54
